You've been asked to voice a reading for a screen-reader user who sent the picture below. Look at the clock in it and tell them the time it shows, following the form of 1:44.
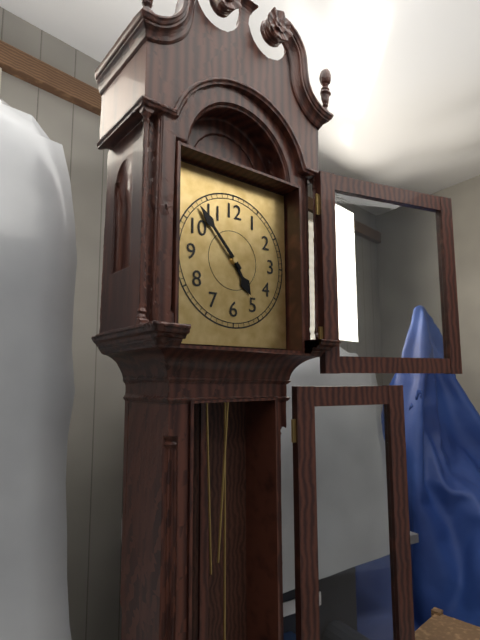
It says 4:53
